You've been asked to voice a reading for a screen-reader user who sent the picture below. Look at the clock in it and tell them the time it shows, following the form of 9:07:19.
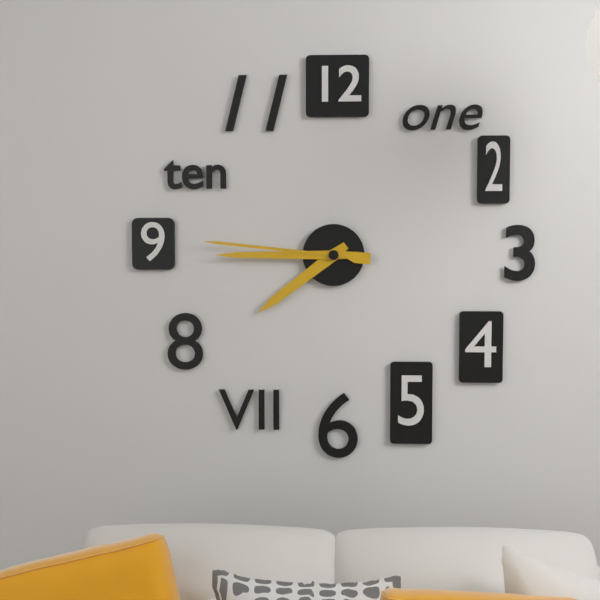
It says 7:45:46
